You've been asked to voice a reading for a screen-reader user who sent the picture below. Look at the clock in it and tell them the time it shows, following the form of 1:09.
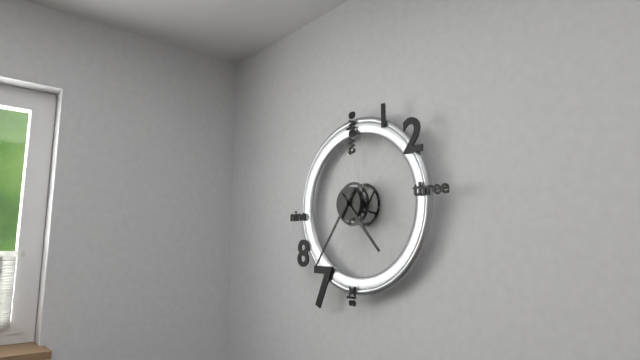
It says 4:36
